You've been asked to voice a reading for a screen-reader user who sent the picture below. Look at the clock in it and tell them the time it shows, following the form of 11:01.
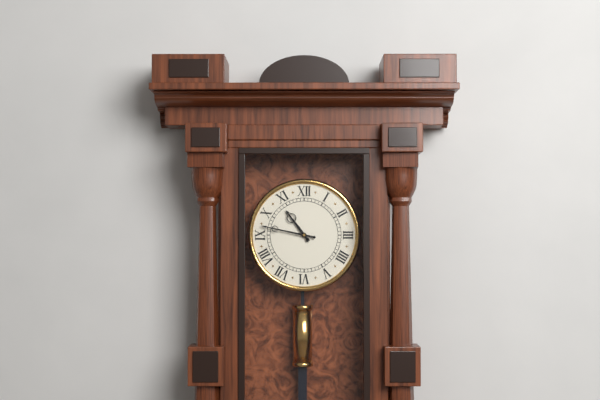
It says 10:47
